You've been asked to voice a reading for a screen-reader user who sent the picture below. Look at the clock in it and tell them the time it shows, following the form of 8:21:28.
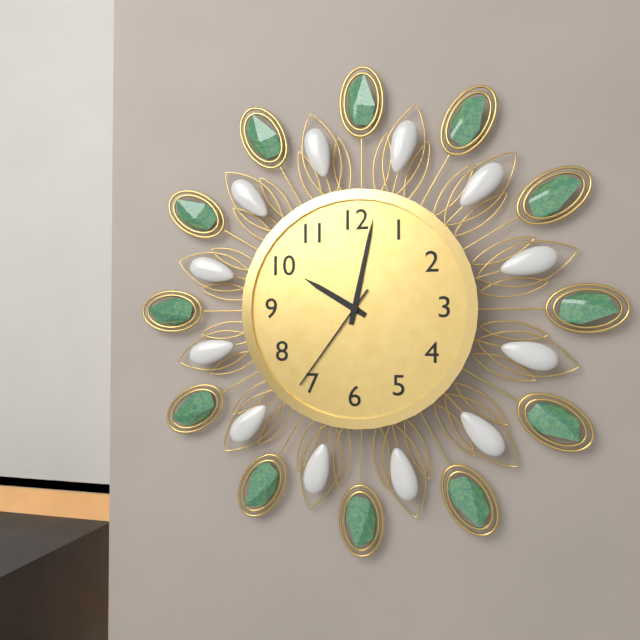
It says 10:02:36
